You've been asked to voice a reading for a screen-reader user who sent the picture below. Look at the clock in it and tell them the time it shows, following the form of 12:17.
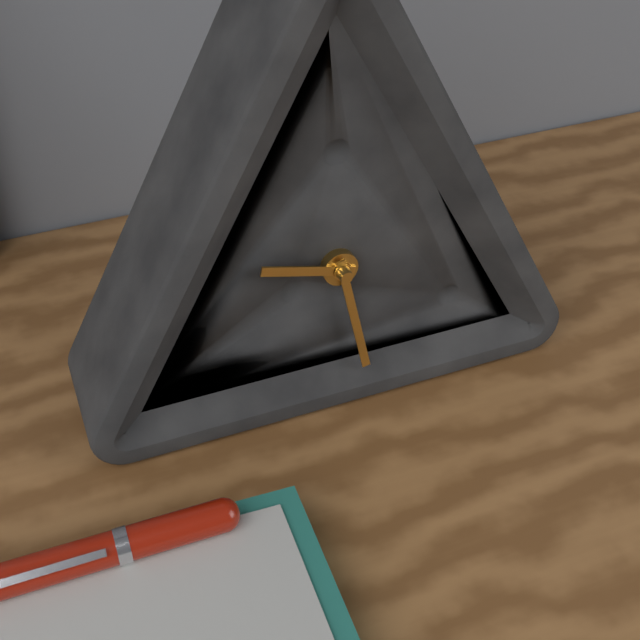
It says 9:28
